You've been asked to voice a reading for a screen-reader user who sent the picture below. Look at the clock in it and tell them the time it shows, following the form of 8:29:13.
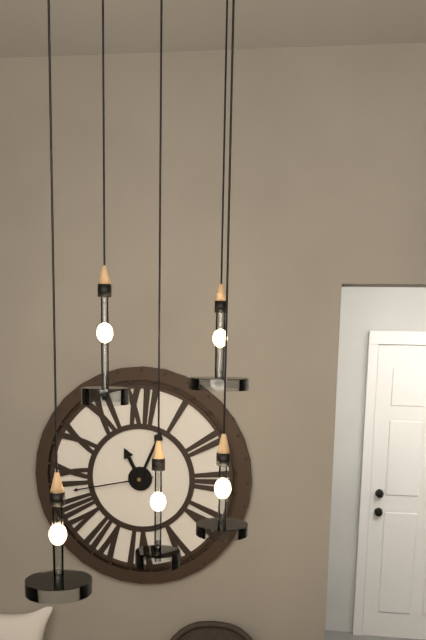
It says 11:04:43
